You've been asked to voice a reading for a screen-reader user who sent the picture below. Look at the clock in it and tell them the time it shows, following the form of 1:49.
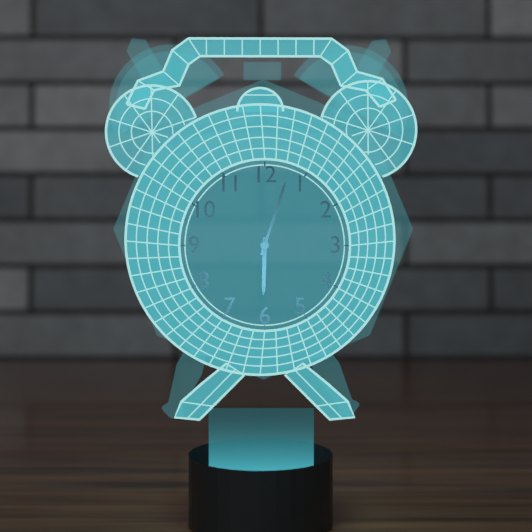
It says 6:03
